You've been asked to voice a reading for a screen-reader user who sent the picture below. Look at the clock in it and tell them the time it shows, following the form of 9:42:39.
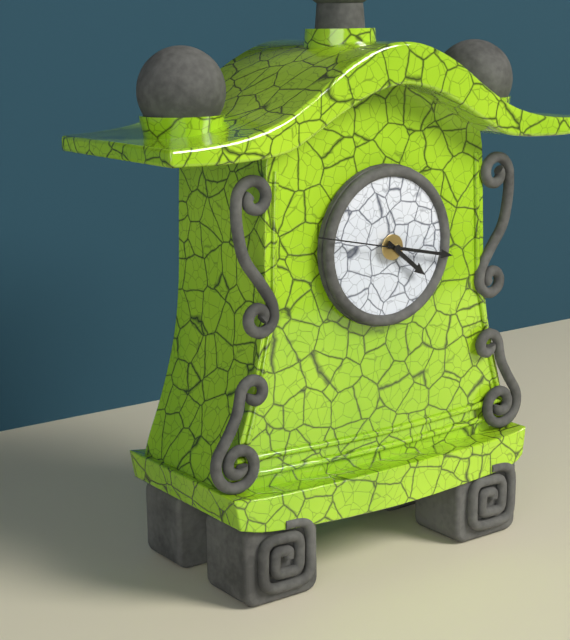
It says 4:17:47
